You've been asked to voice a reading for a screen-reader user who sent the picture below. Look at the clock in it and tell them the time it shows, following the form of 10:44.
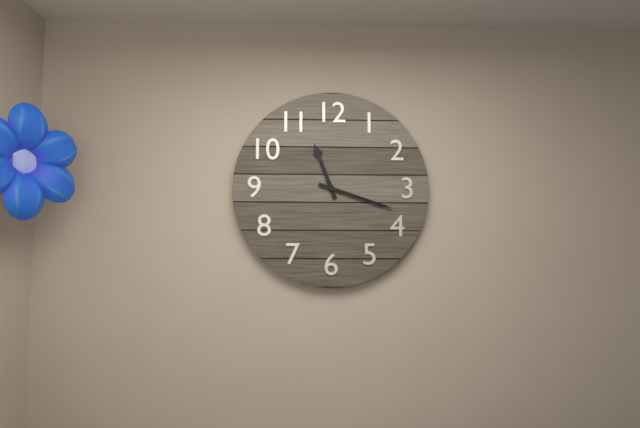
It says 11:18
